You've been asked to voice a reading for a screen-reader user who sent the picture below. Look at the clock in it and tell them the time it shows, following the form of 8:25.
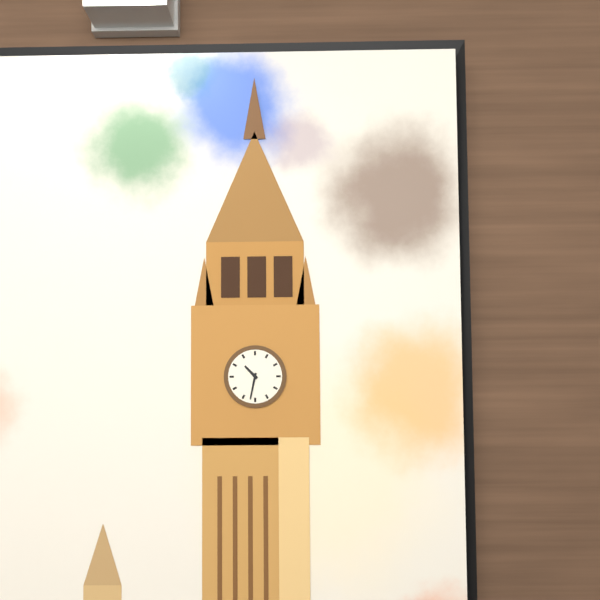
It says 10:32
